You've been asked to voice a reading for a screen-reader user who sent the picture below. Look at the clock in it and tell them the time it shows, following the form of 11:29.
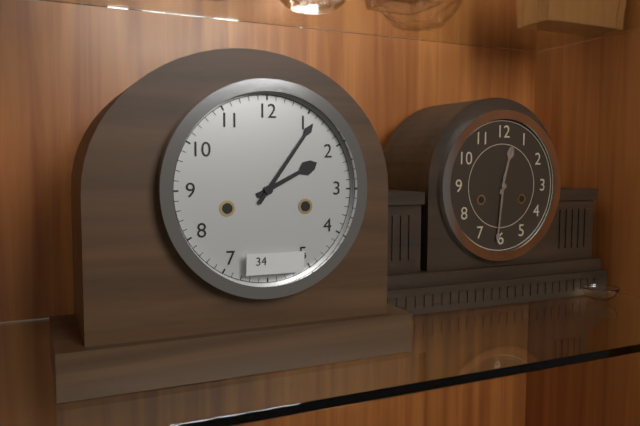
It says 2:06
